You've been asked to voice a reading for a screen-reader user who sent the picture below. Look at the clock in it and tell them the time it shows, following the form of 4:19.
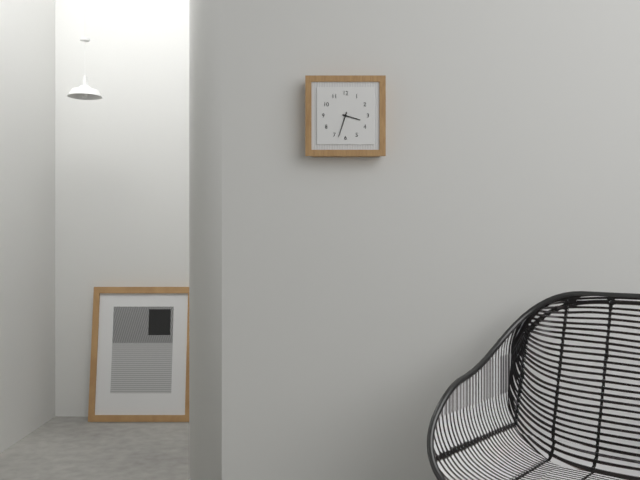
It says 3:33
